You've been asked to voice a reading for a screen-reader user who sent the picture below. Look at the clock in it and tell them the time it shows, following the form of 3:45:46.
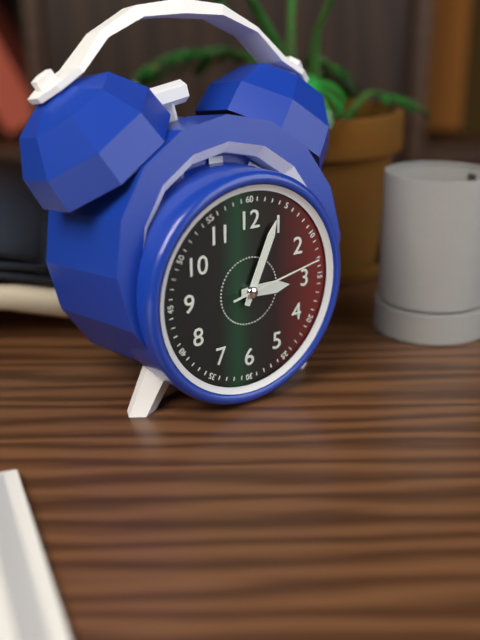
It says 3:04:13
